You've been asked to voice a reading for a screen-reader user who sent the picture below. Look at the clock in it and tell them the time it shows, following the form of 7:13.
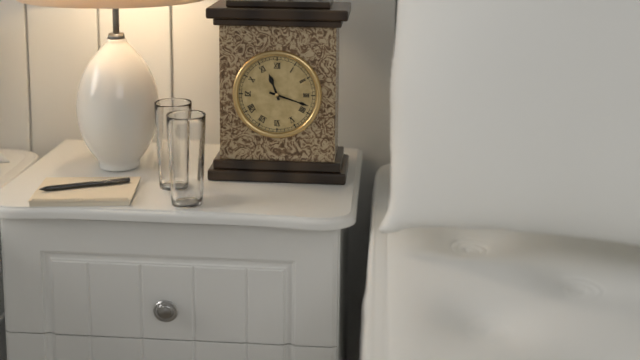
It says 11:18
